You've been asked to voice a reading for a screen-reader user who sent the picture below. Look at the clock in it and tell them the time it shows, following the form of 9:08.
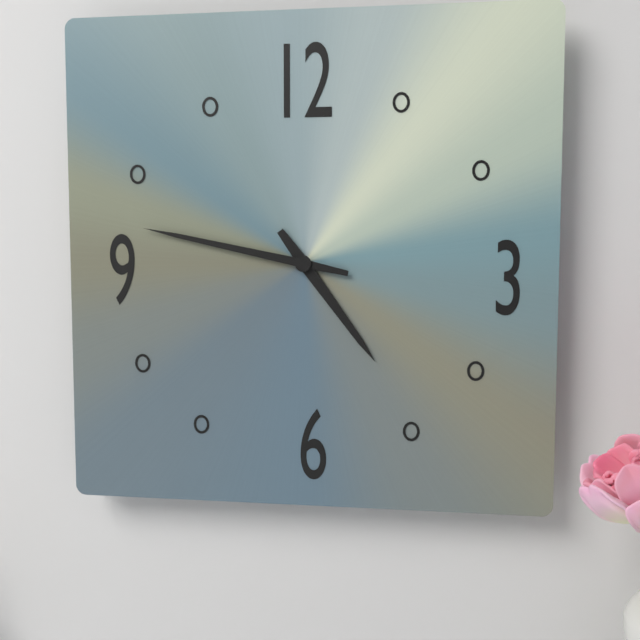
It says 4:47
